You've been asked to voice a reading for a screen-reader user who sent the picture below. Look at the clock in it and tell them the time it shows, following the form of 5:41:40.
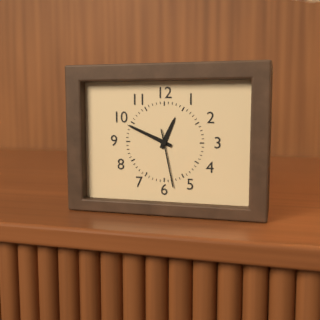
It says 12:49:28
